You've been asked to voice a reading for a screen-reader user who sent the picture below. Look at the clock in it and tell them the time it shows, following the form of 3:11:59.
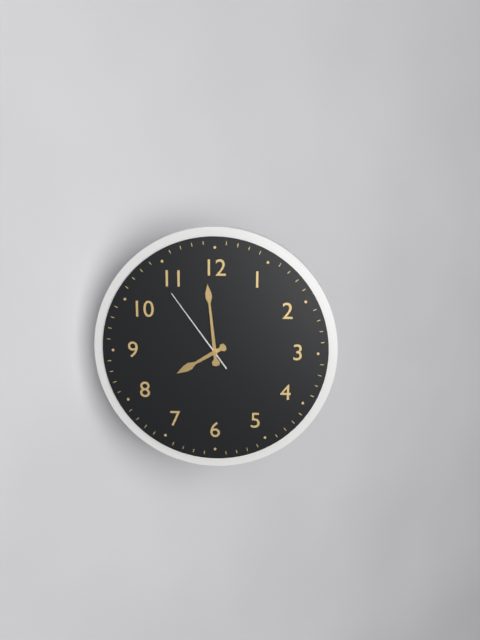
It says 7:59:54
